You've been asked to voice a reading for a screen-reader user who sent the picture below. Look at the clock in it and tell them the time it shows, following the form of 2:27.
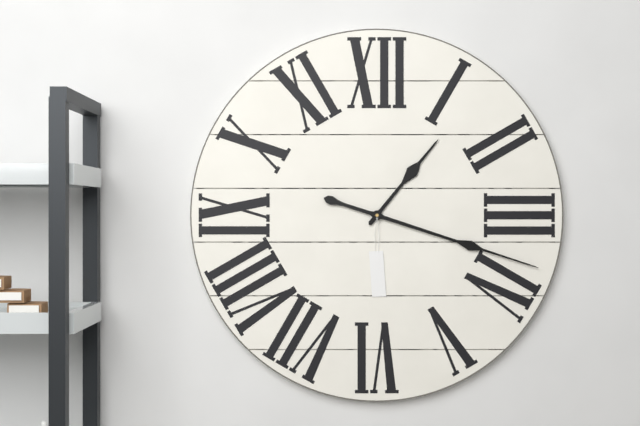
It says 1:18
